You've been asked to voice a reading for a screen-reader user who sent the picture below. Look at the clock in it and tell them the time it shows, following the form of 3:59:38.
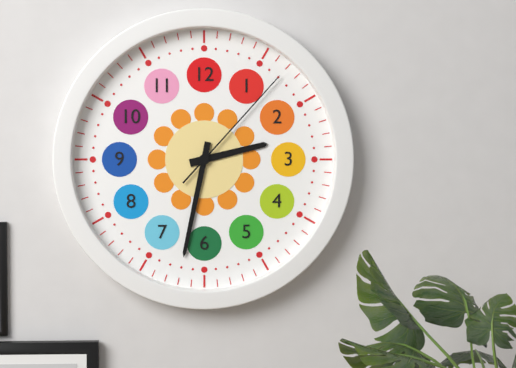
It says 2:32:07
